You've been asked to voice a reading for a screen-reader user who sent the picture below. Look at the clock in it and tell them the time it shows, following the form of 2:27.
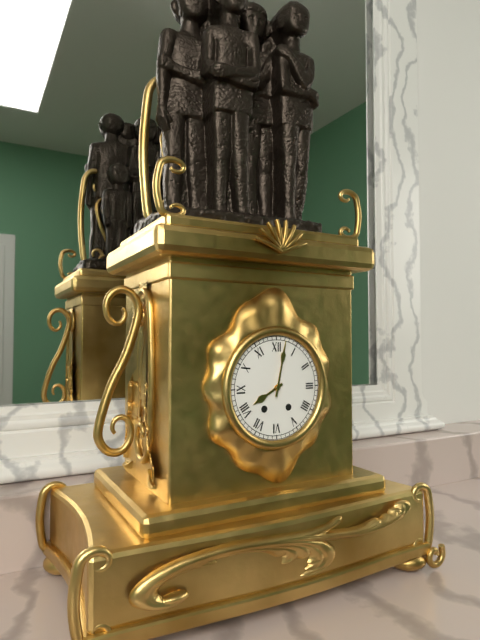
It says 8:02
